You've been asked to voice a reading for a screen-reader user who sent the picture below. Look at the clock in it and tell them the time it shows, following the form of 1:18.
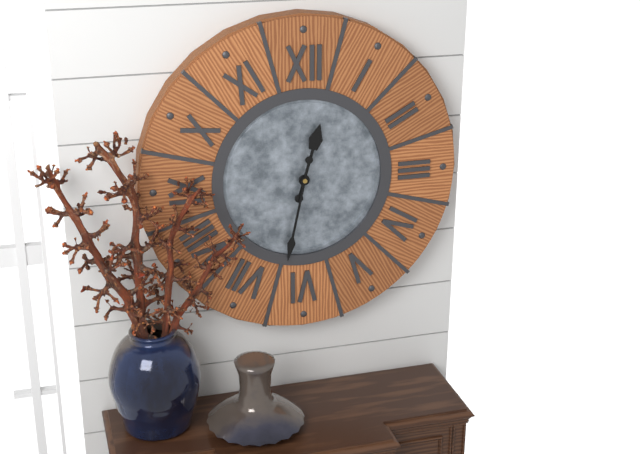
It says 12:32
